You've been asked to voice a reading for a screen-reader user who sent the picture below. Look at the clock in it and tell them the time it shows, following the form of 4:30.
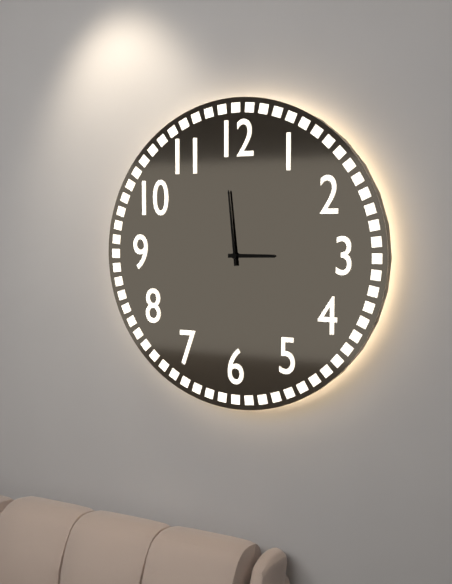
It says 2:59
